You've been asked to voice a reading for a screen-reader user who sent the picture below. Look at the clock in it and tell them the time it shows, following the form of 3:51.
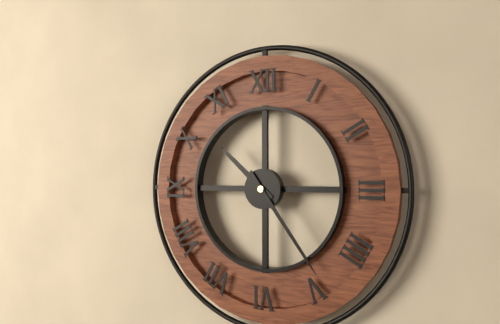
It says 10:24
